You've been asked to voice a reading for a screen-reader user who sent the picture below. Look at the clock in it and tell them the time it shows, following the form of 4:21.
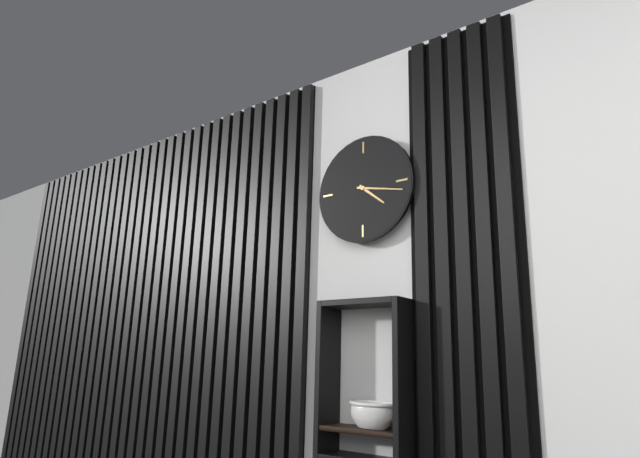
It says 4:17
